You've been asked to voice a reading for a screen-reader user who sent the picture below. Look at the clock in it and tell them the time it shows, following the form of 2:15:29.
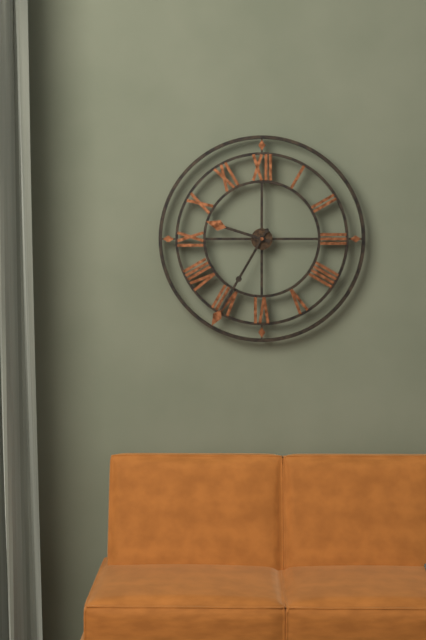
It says 9:35:35
